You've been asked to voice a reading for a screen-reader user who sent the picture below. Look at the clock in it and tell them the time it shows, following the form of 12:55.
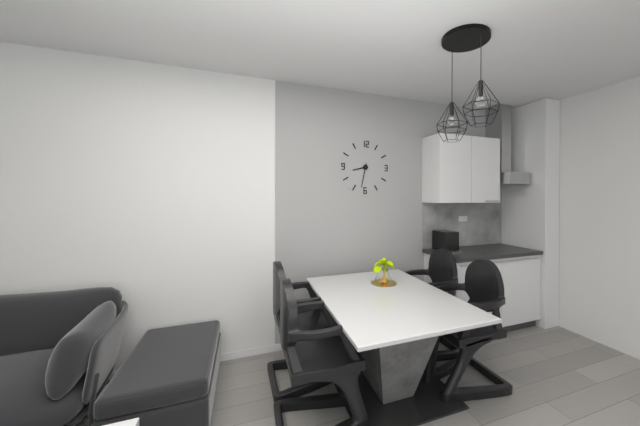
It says 8:32
